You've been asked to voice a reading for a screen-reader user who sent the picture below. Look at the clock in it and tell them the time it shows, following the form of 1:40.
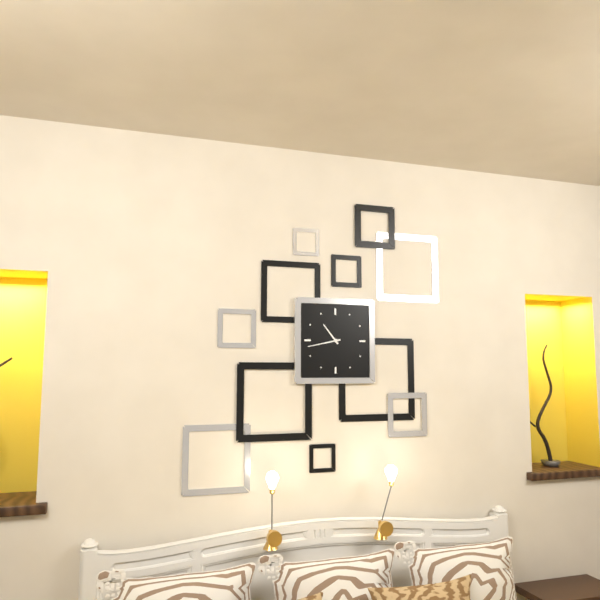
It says 10:43
